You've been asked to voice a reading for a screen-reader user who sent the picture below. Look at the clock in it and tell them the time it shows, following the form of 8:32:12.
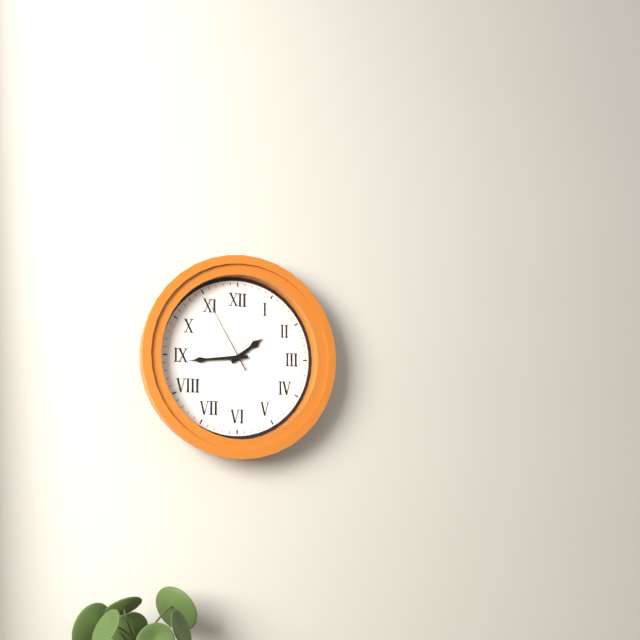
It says 1:44:55
